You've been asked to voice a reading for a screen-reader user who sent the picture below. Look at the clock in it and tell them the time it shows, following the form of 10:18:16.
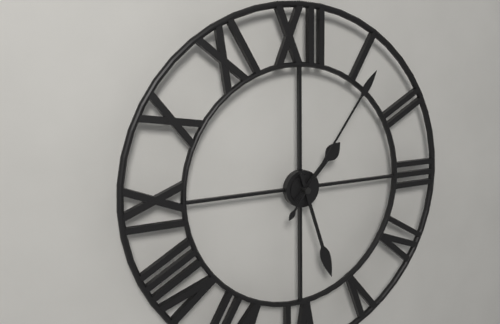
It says 1:27:06
